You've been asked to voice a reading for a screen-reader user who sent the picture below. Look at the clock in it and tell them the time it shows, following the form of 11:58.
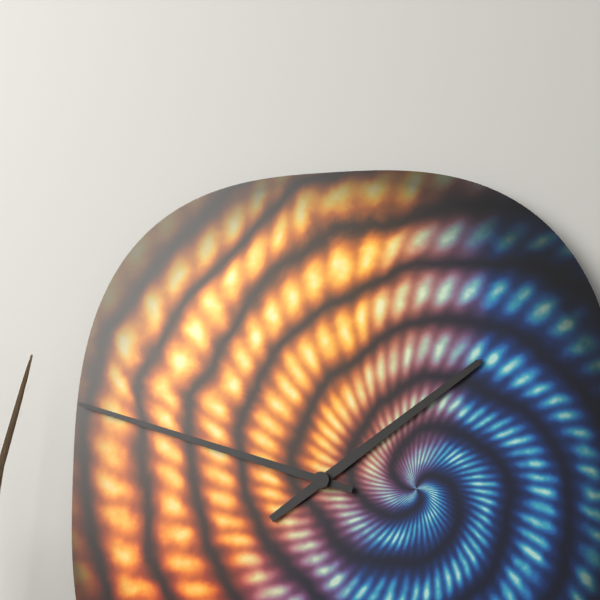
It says 1:48
